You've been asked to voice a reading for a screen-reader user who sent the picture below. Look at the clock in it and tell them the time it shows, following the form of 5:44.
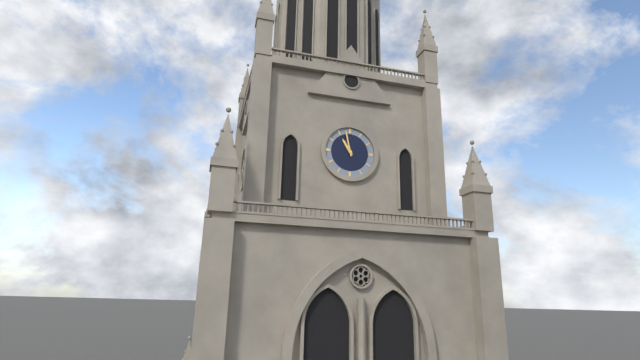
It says 10:58
